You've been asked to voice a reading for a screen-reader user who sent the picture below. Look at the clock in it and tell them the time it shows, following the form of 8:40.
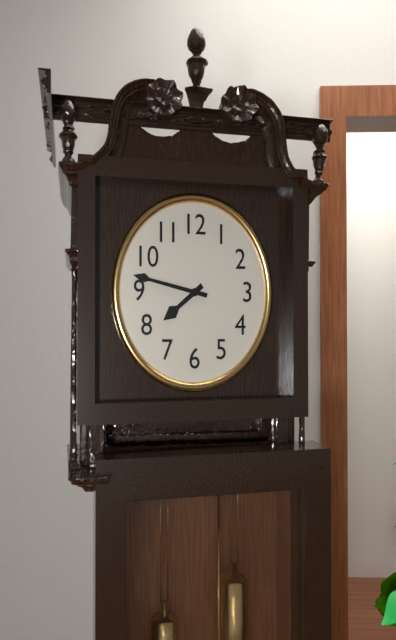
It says 7:47
